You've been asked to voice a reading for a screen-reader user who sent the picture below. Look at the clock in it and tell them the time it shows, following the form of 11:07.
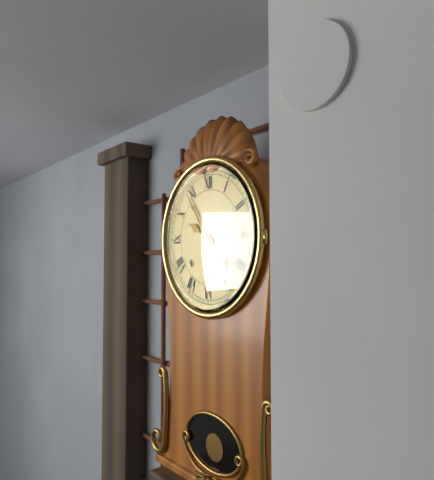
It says 9:54
